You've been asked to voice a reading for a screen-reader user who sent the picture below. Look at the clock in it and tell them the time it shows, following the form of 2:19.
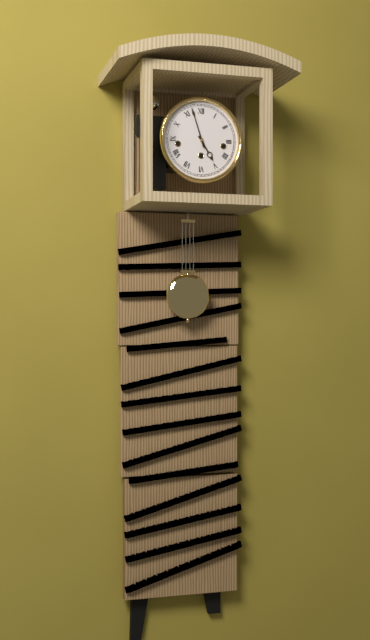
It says 4:57
